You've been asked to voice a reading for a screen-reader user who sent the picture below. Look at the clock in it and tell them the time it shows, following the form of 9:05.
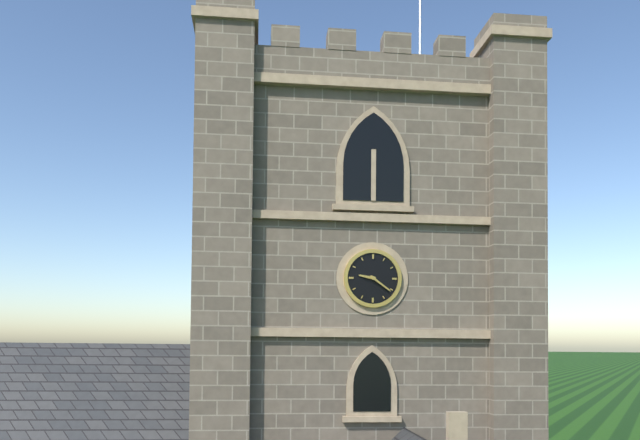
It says 9:21
